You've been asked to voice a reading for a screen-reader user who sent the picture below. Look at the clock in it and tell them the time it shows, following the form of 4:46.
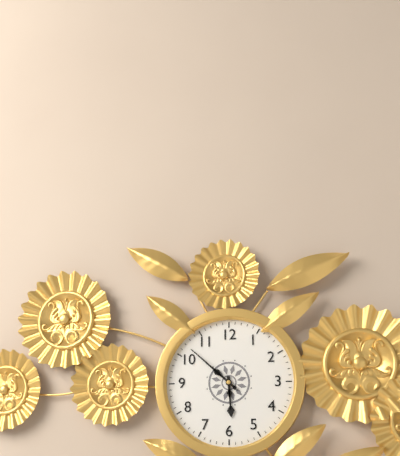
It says 5:52
